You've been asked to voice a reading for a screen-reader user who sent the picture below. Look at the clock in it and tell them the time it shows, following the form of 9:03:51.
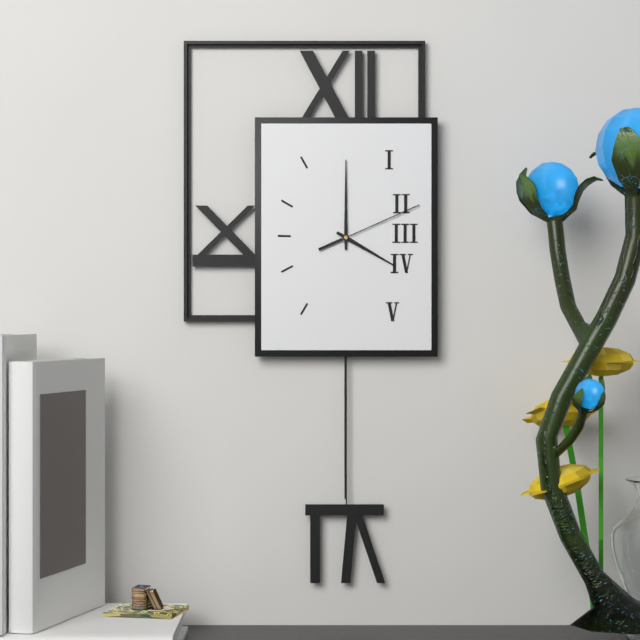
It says 4:00:11
